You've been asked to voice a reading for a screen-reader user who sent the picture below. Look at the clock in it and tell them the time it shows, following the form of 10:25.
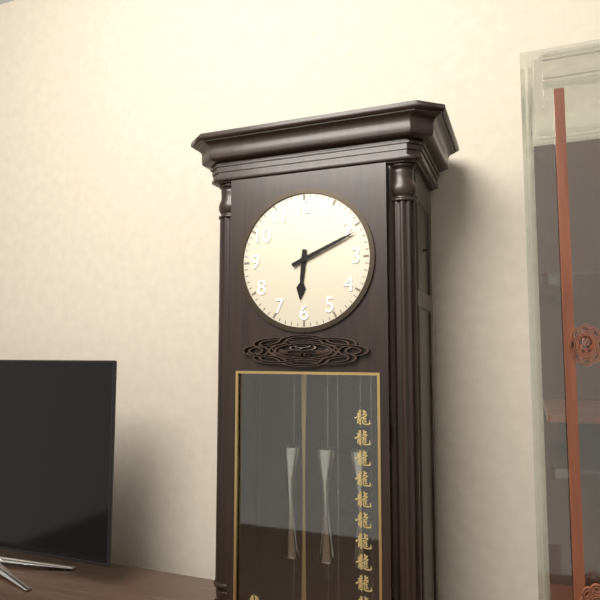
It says 6:11
